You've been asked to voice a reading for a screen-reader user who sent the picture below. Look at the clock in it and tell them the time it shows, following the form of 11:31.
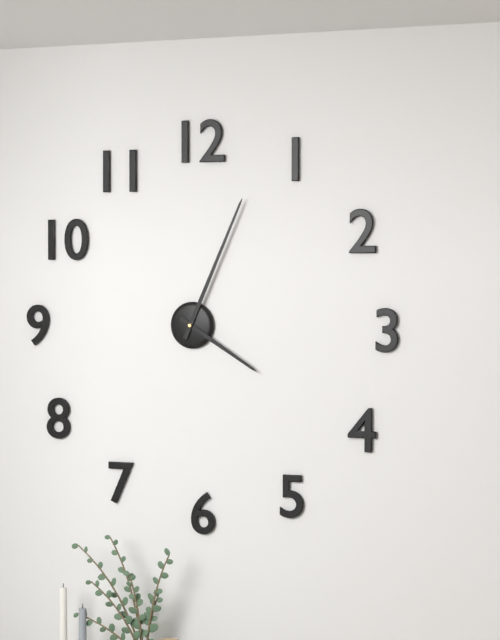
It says 4:04
